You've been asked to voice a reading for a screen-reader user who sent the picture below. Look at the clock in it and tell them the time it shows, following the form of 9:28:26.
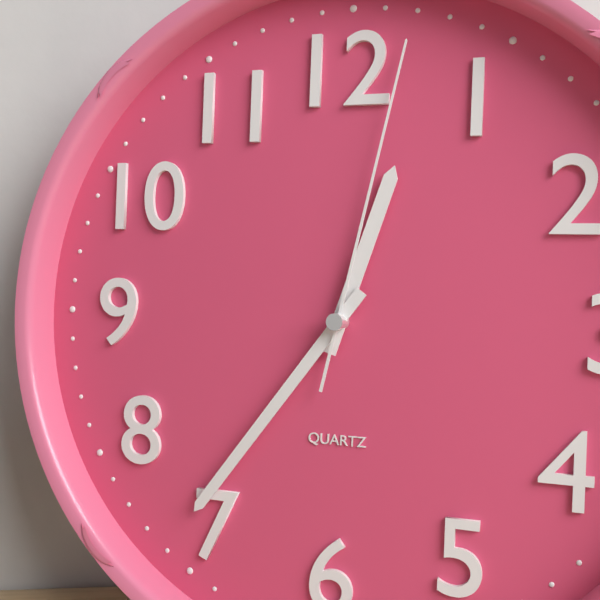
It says 12:36:02
